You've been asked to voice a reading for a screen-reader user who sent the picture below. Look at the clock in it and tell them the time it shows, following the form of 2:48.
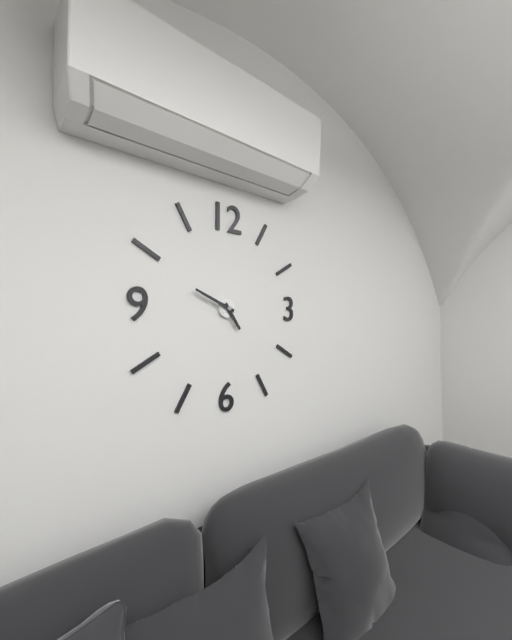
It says 4:49
